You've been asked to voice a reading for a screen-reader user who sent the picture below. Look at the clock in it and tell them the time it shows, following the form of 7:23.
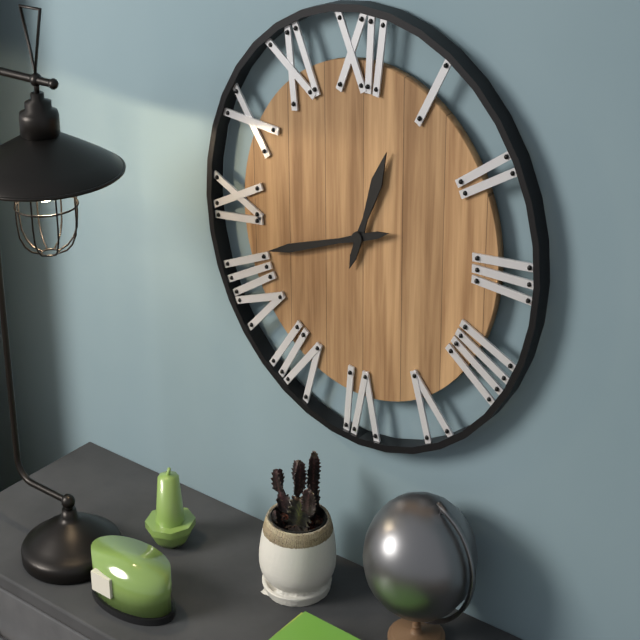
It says 12:42
